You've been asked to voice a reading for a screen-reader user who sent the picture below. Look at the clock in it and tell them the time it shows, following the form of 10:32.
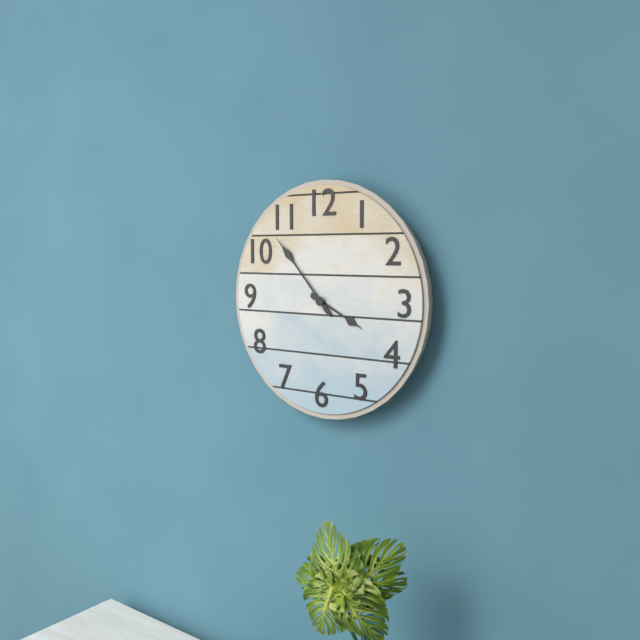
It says 3:53
